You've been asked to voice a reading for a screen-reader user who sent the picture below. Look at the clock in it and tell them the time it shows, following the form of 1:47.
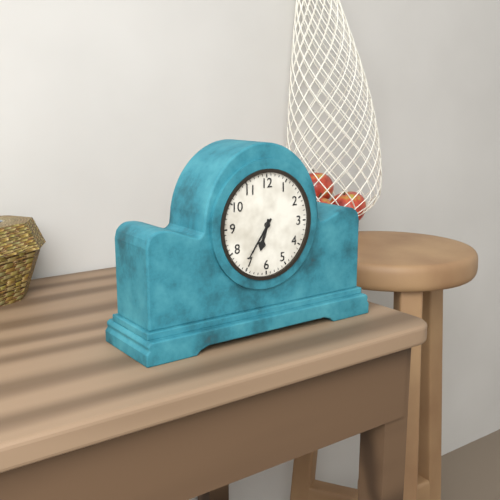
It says 6:36
